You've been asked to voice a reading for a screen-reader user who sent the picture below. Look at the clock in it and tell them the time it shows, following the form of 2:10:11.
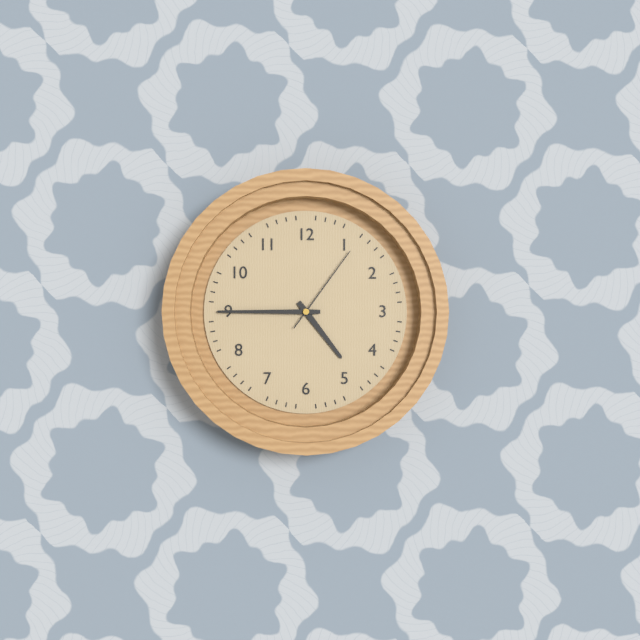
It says 4:45:06
